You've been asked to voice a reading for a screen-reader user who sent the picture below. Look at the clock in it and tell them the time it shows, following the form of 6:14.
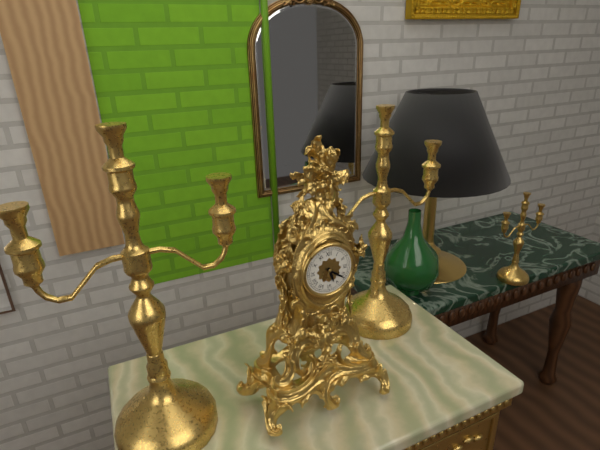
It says 5:21
